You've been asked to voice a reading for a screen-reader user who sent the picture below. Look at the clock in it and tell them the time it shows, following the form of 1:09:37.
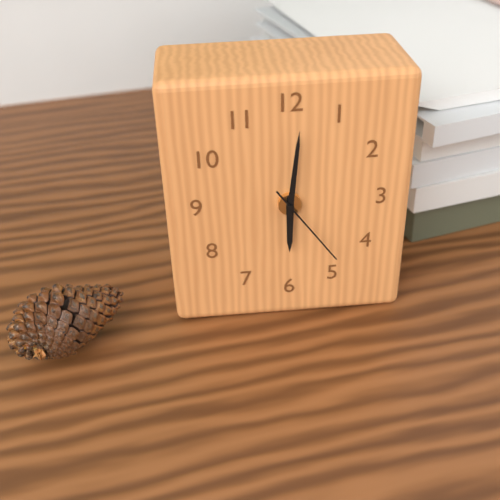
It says 6:01:24
